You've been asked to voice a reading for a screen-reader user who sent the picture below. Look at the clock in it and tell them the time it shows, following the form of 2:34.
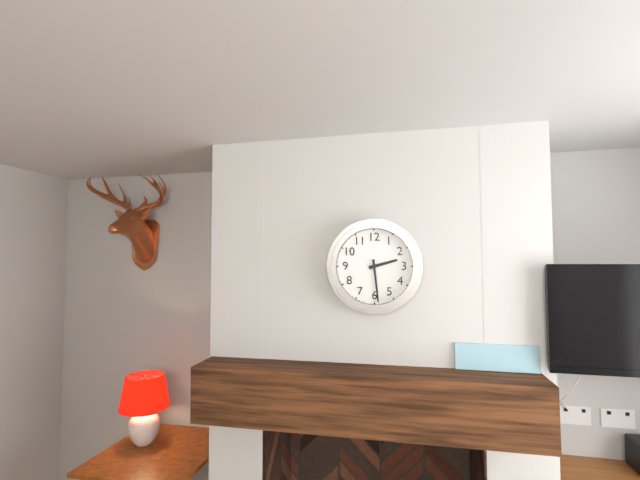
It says 2:29
